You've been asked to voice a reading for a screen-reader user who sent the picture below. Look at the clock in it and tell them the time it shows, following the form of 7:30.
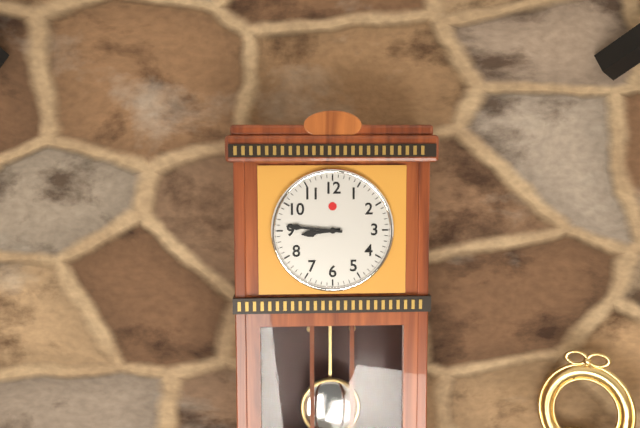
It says 8:46
